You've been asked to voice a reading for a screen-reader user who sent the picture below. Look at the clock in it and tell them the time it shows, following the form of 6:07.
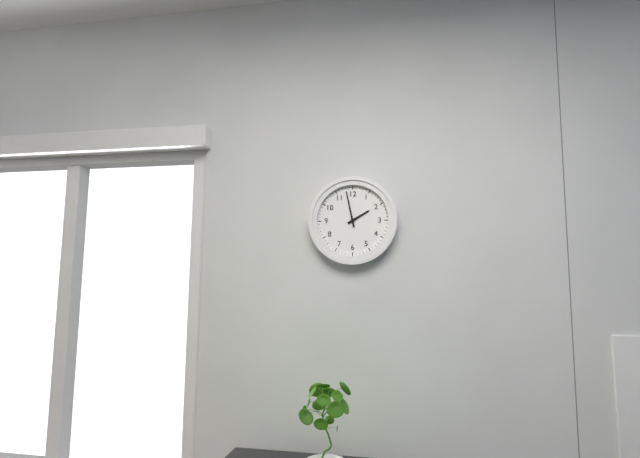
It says 1:58
